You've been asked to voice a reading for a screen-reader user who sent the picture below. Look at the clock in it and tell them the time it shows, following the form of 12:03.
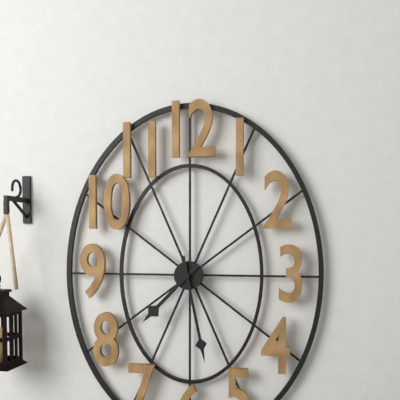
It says 7:28
